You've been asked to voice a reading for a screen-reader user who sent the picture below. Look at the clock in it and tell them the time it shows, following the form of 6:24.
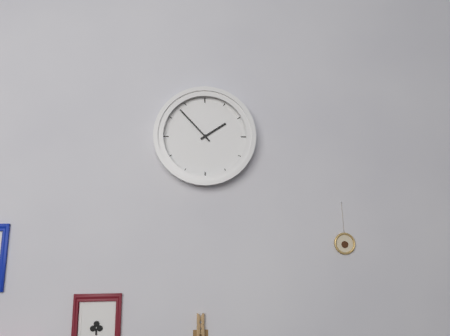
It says 1:53
